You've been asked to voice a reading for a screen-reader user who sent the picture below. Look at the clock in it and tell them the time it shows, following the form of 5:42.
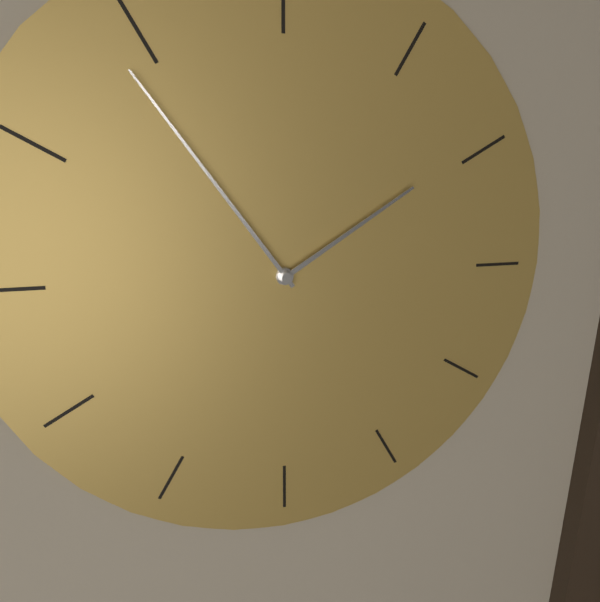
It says 1:54
